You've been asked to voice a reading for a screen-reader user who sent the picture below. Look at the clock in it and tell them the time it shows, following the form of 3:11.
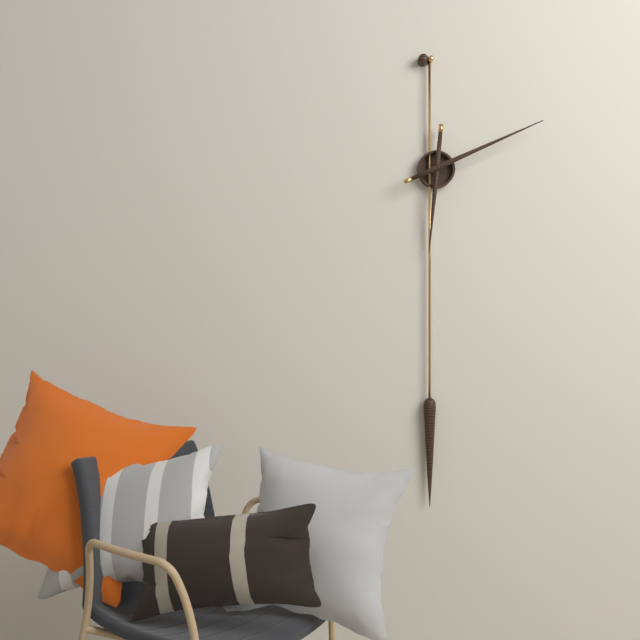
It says 6:11
